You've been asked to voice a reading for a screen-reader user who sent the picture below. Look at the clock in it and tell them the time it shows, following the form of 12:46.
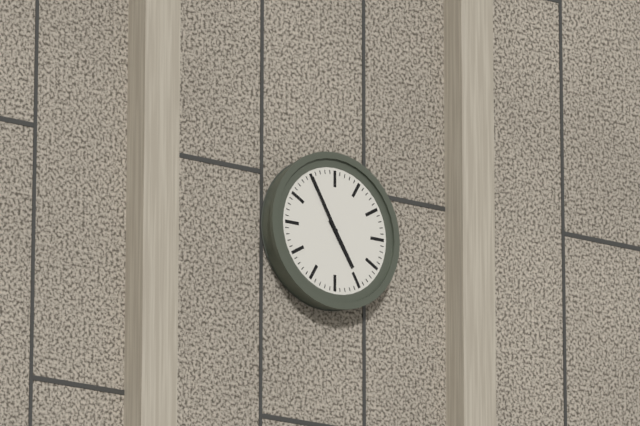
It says 4:55
